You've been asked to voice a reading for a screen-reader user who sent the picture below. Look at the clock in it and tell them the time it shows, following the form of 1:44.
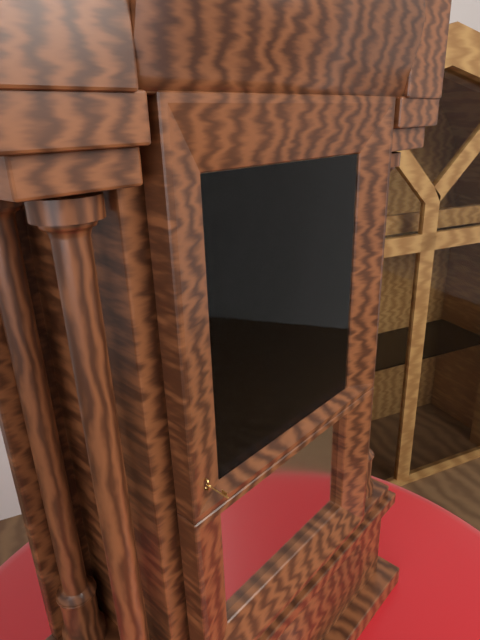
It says 9:27
